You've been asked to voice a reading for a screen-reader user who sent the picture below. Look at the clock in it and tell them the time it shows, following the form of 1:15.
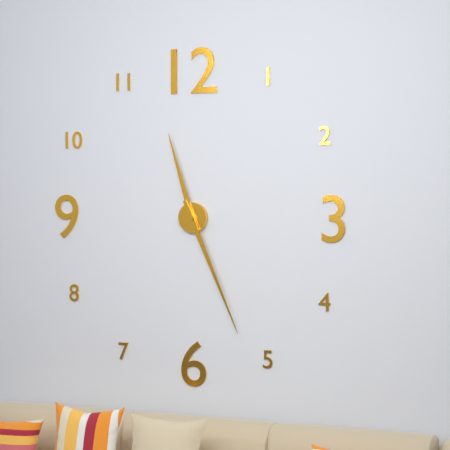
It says 11:26
